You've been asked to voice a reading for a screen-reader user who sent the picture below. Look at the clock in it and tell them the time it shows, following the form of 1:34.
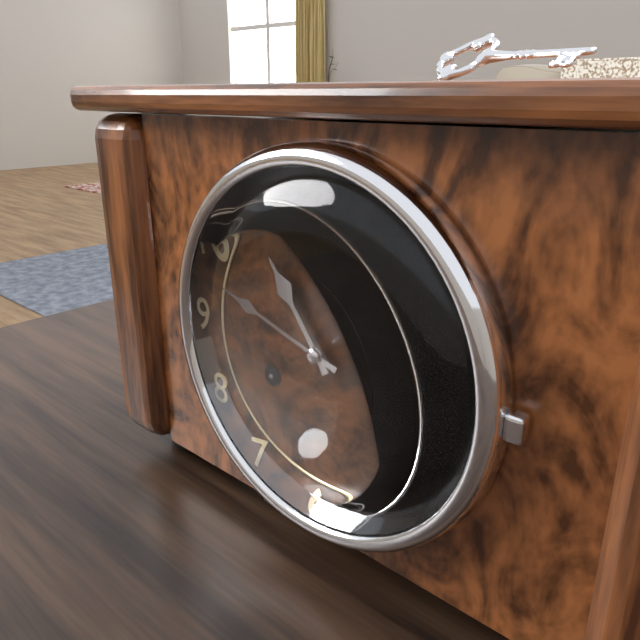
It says 10:48
